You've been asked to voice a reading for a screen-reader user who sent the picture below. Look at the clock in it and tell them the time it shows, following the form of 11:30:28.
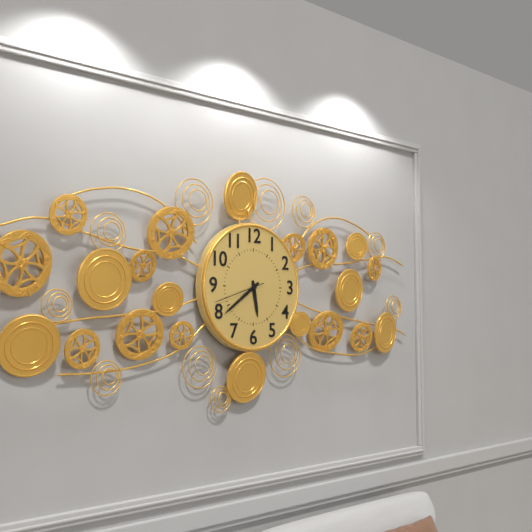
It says 5:39:42
